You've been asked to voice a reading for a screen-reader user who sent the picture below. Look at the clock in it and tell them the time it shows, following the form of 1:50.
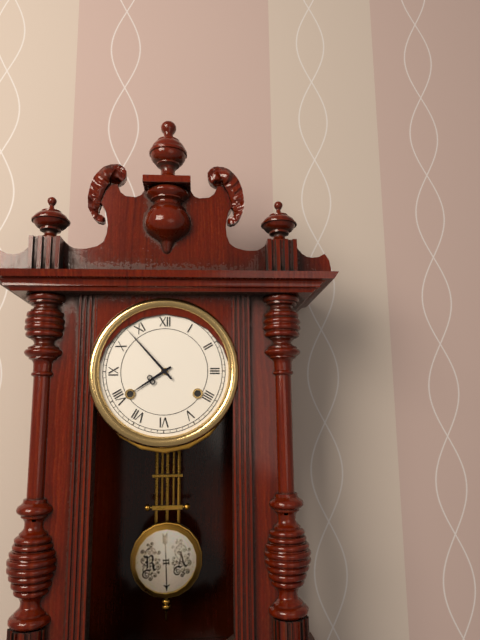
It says 7:53
